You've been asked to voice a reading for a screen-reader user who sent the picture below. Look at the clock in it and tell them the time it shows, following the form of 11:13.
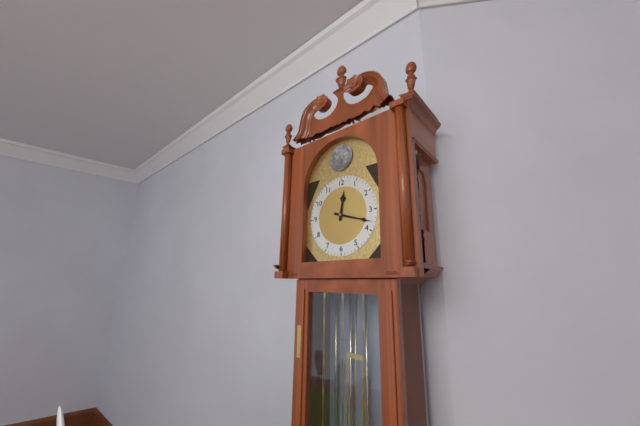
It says 12:18
